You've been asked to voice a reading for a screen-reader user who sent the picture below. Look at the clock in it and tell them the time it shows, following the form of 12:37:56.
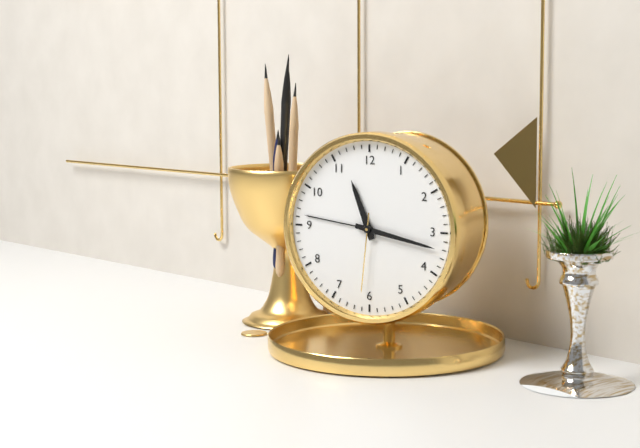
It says 11:17:31
